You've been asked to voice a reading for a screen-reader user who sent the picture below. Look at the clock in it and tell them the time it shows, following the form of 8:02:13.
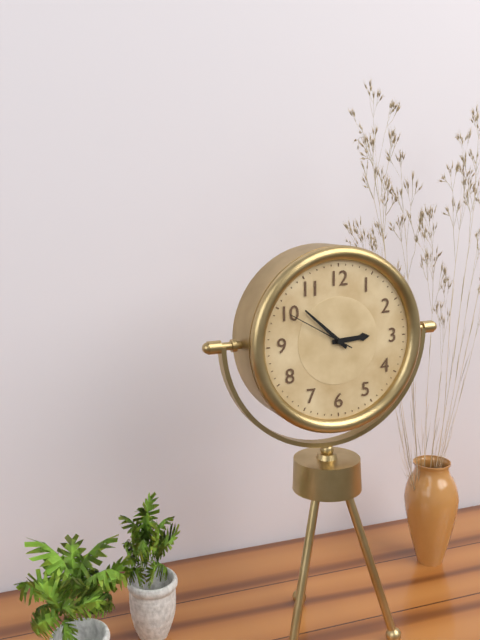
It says 2:52:50
